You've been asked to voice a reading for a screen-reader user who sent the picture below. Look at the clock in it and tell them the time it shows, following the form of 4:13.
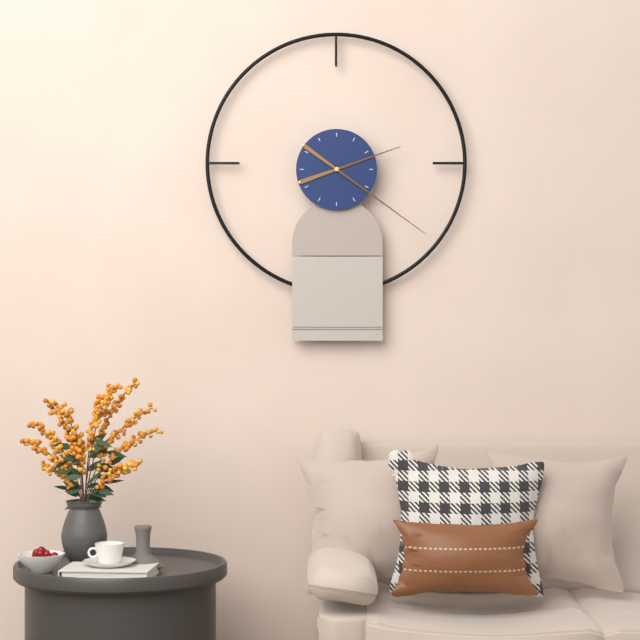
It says 2:21
